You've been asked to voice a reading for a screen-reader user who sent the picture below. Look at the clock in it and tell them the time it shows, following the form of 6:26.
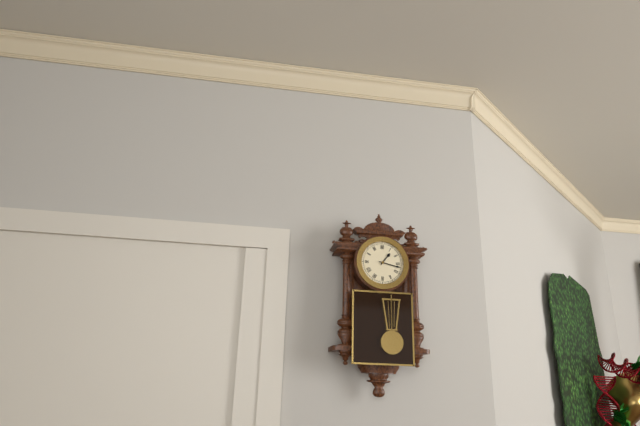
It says 1:17
